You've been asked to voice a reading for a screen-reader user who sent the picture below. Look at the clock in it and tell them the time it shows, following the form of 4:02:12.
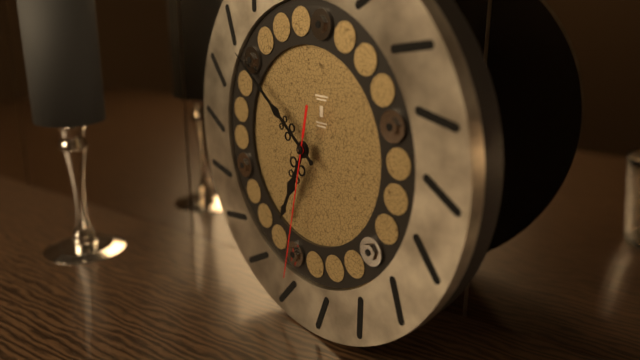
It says 6:51:32
